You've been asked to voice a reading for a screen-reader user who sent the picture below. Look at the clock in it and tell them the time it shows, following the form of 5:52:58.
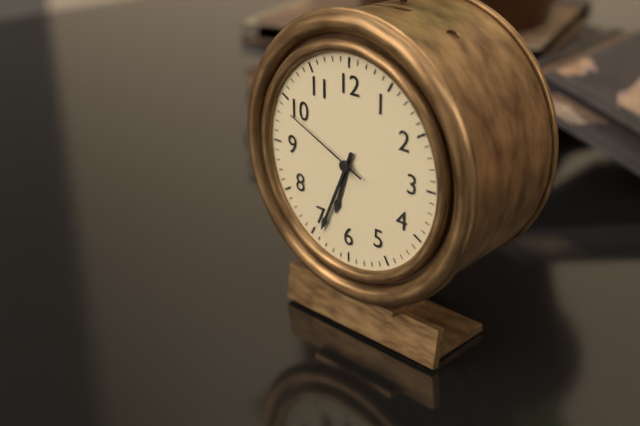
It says 6:34:49
